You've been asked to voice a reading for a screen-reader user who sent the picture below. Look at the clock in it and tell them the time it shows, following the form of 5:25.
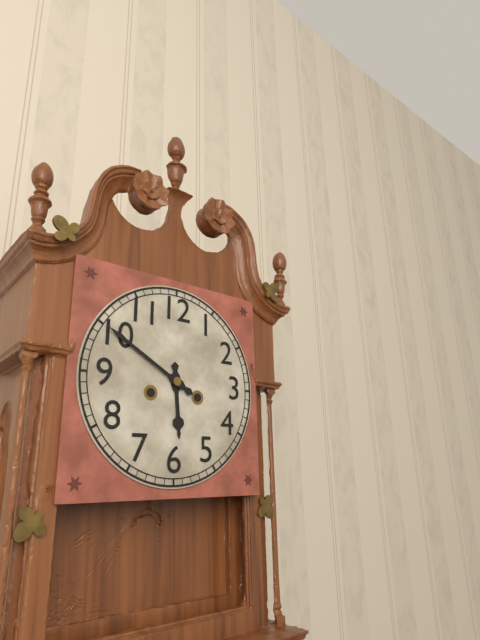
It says 5:50
